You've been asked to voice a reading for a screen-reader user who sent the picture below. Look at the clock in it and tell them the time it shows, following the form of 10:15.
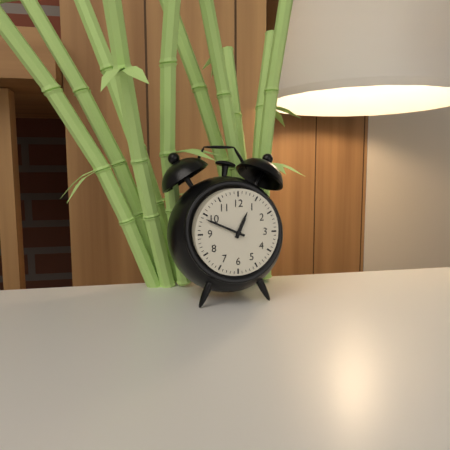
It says 12:49
